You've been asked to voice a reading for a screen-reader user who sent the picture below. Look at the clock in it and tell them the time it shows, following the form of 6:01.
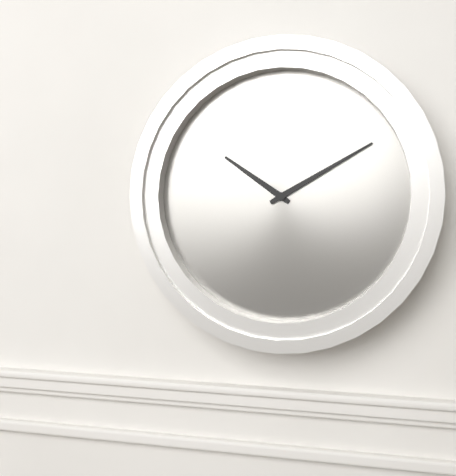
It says 10:10
